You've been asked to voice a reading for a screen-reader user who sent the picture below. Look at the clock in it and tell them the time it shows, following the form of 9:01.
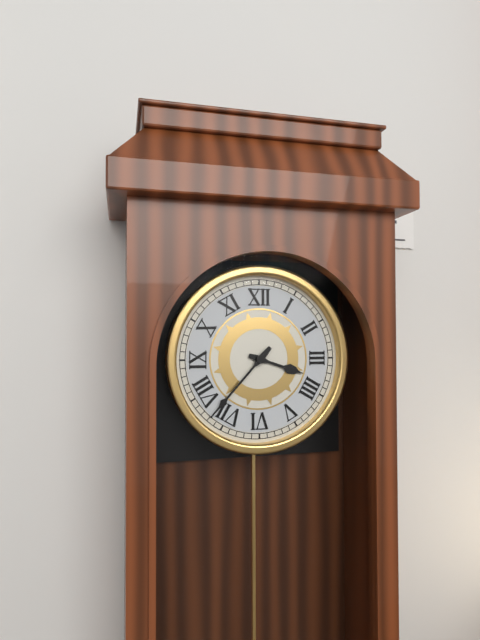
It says 3:37
